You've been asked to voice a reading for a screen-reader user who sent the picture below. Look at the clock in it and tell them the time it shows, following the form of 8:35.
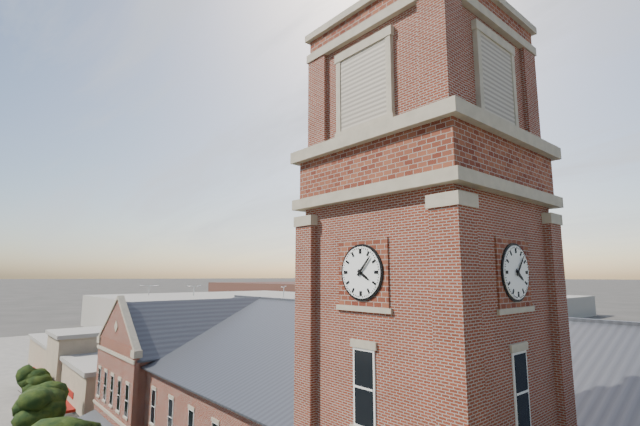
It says 4:07
